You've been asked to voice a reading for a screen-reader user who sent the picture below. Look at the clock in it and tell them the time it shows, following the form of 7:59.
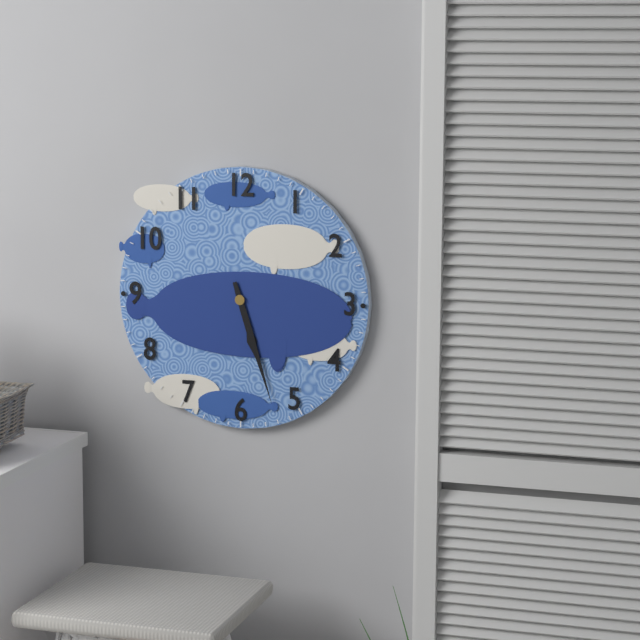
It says 5:27
